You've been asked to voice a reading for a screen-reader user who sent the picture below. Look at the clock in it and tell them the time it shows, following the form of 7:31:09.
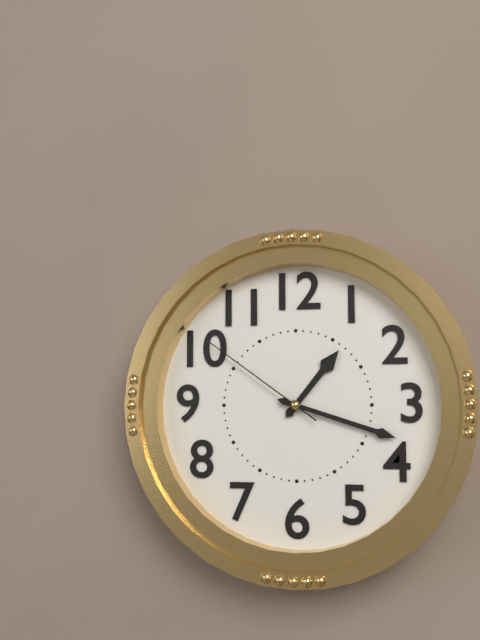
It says 1:18:51
